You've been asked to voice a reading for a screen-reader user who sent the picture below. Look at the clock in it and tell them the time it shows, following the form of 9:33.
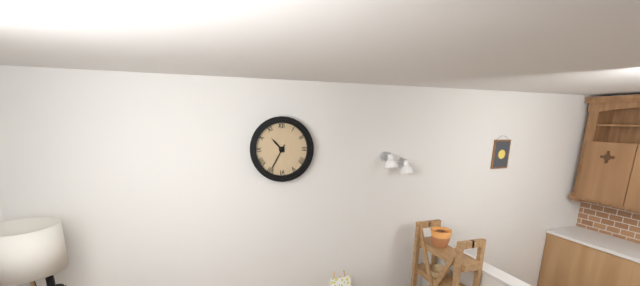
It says 10:35
